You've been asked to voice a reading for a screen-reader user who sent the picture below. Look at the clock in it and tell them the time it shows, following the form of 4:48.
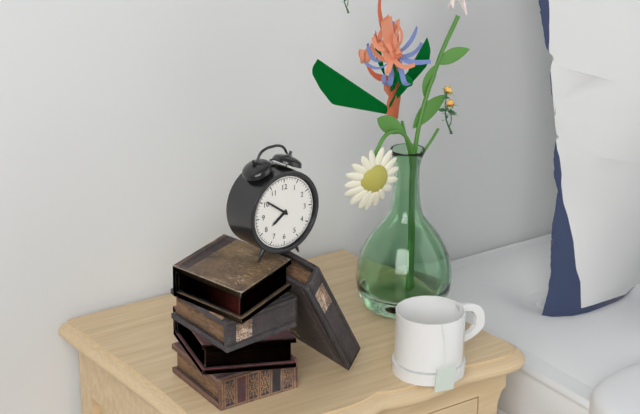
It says 7:51
